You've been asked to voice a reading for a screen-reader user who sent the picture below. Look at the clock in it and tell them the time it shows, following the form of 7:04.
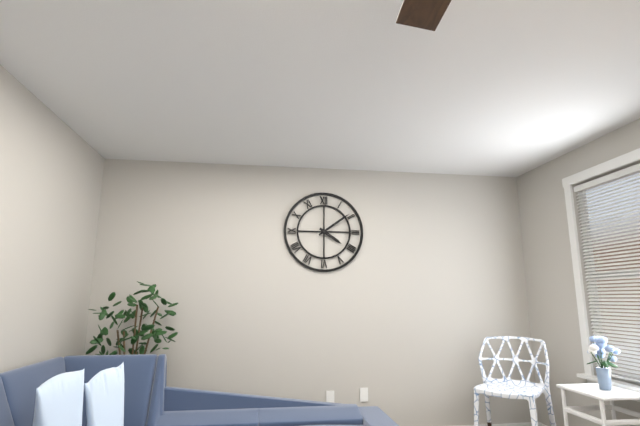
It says 4:09
